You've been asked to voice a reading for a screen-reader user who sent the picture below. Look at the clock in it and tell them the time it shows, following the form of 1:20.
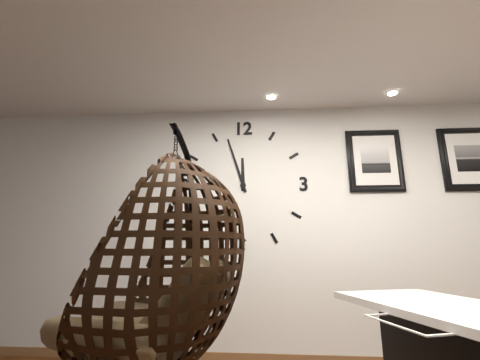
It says 11:57
